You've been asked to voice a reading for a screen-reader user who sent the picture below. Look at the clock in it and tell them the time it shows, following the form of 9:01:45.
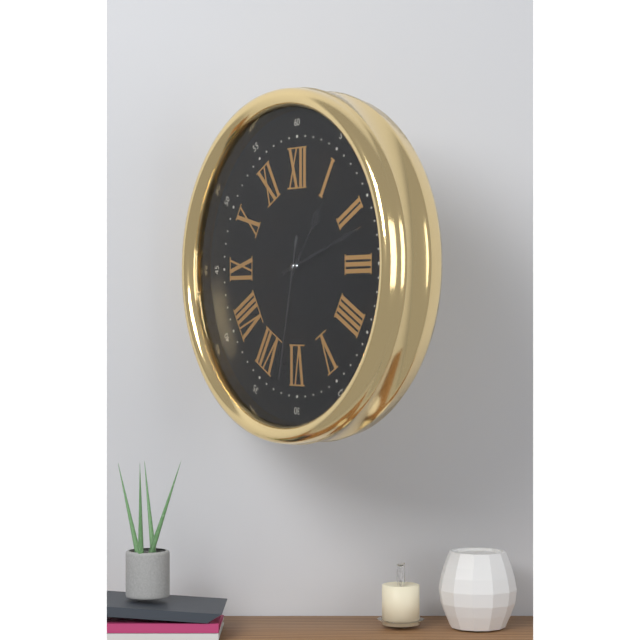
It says 1:12:32
